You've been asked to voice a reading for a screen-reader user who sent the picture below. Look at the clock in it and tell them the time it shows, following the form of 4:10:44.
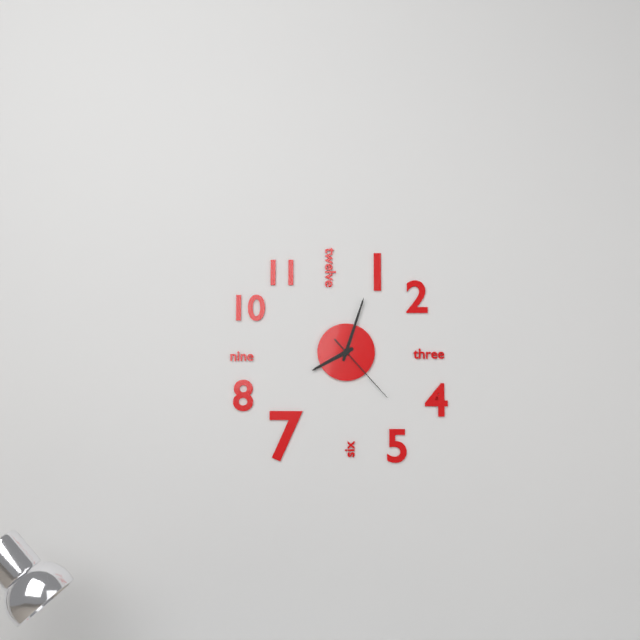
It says 8:03:23
